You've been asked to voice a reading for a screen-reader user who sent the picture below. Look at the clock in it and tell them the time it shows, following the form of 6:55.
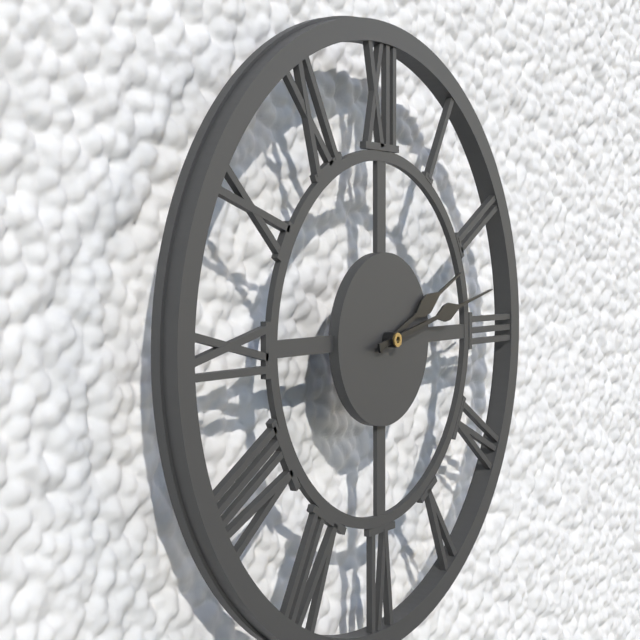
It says 2:13
